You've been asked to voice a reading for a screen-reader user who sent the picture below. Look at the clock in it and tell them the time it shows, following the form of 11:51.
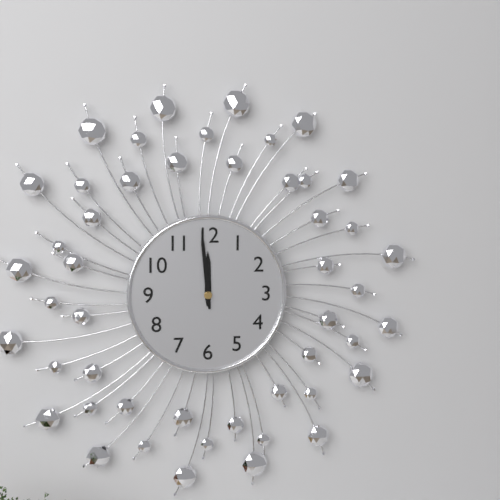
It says 11:59
